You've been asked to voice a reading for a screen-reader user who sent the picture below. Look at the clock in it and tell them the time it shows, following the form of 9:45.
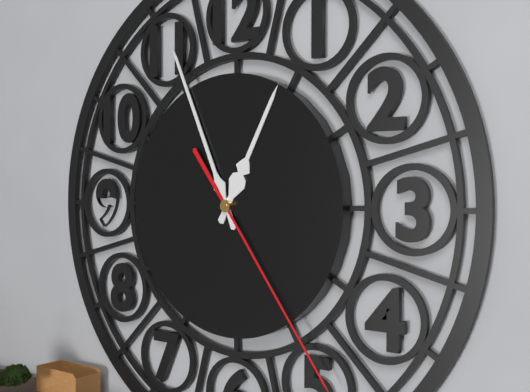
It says 12:56
